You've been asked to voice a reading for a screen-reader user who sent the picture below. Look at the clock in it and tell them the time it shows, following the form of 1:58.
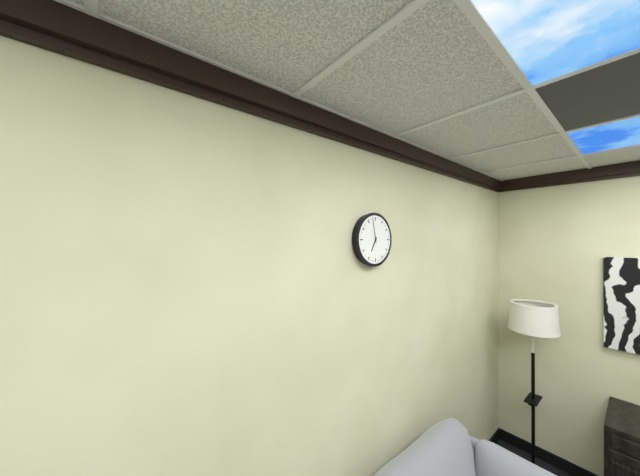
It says 6:58
